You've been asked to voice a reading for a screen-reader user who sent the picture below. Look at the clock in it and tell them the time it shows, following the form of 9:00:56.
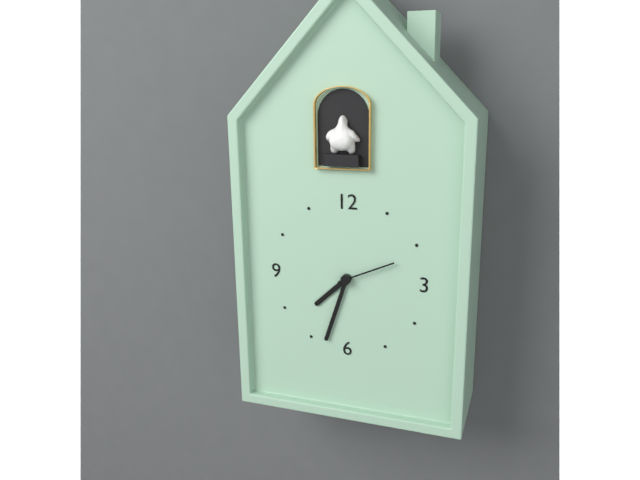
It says 7:33:11
